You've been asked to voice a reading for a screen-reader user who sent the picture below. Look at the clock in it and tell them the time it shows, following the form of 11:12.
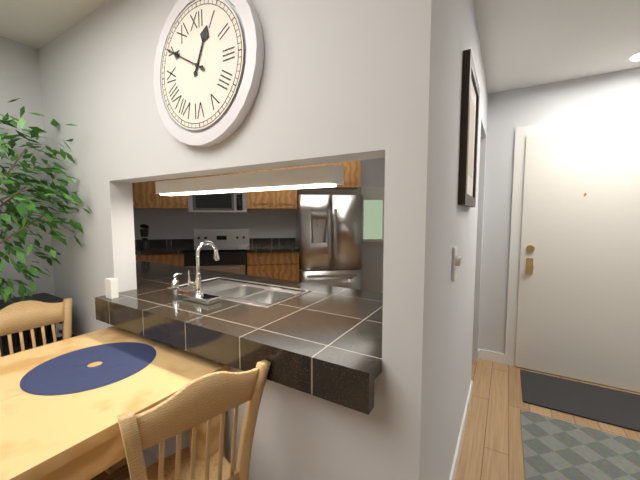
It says 12:50
